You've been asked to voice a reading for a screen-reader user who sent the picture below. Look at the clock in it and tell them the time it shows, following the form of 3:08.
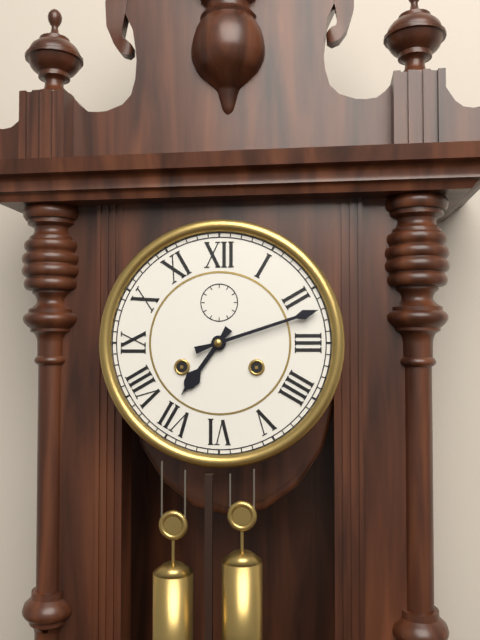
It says 7:12
